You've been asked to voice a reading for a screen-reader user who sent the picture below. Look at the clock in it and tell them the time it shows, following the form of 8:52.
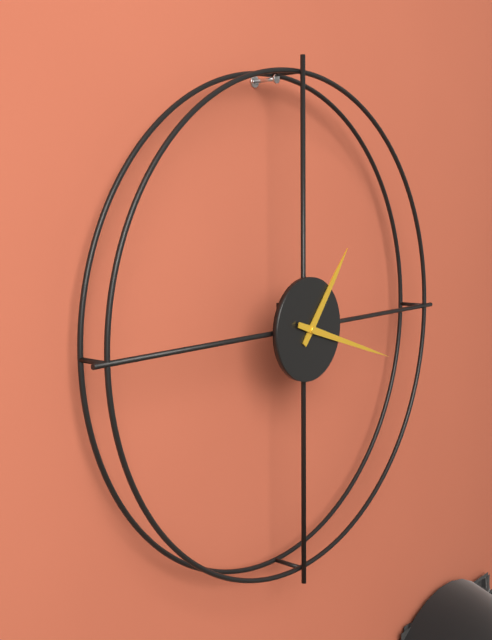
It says 1:18
